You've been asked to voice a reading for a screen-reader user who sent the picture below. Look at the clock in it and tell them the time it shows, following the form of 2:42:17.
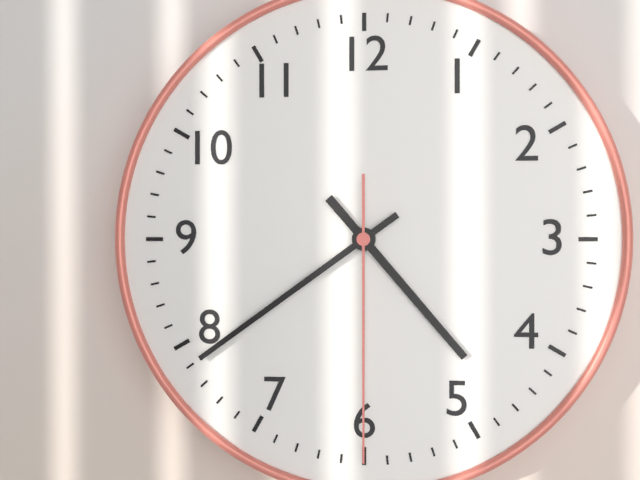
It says 4:39:30
